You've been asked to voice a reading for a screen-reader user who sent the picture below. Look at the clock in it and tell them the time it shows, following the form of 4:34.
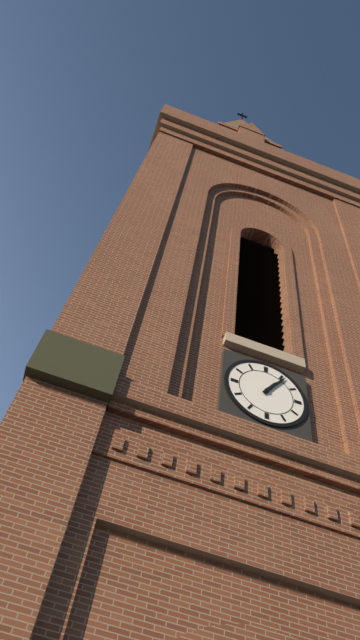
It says 1:06
